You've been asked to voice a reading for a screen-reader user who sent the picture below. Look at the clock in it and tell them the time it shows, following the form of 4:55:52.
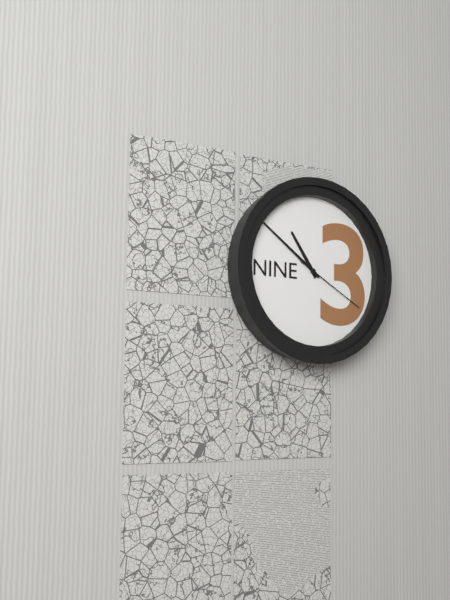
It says 10:51:20
